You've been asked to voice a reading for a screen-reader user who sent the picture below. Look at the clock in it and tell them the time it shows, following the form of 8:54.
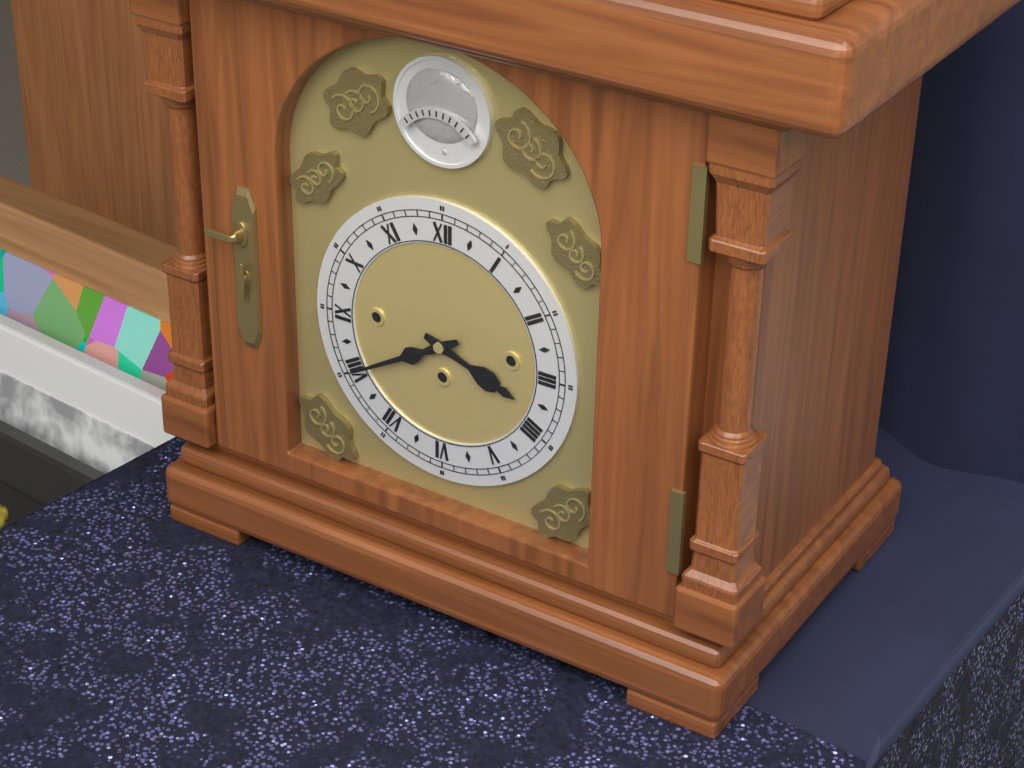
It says 3:40
